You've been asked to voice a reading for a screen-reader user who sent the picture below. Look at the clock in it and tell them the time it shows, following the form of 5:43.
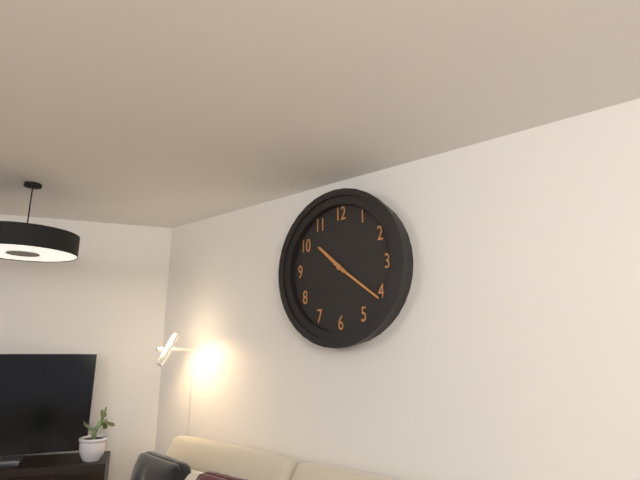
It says 10:21
